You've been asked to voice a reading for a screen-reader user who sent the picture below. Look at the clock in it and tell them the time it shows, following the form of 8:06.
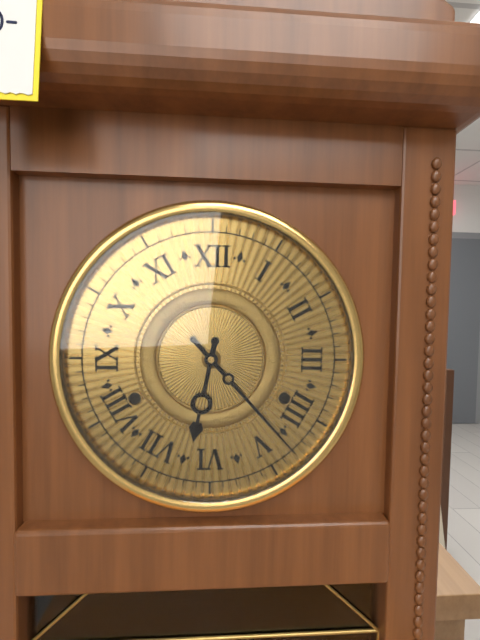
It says 6:23
